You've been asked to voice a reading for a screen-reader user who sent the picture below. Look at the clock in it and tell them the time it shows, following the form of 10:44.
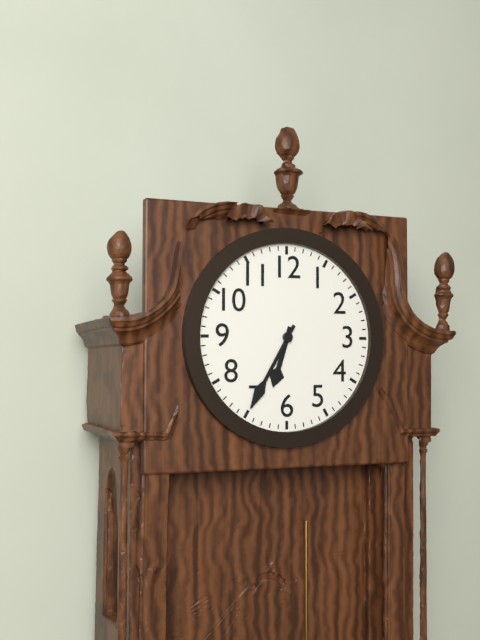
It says 6:35
